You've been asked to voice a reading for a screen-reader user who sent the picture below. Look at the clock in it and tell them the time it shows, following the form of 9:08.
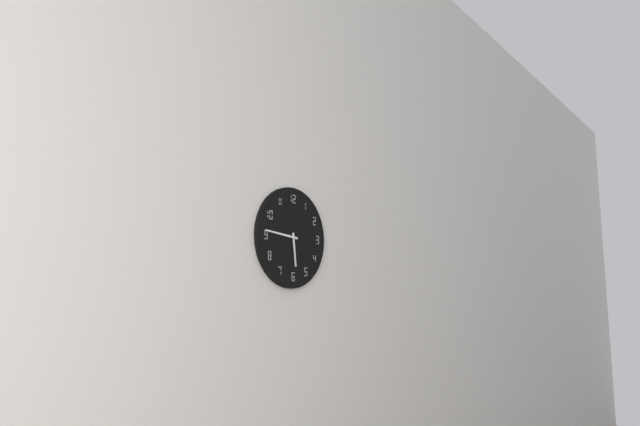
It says 5:46
